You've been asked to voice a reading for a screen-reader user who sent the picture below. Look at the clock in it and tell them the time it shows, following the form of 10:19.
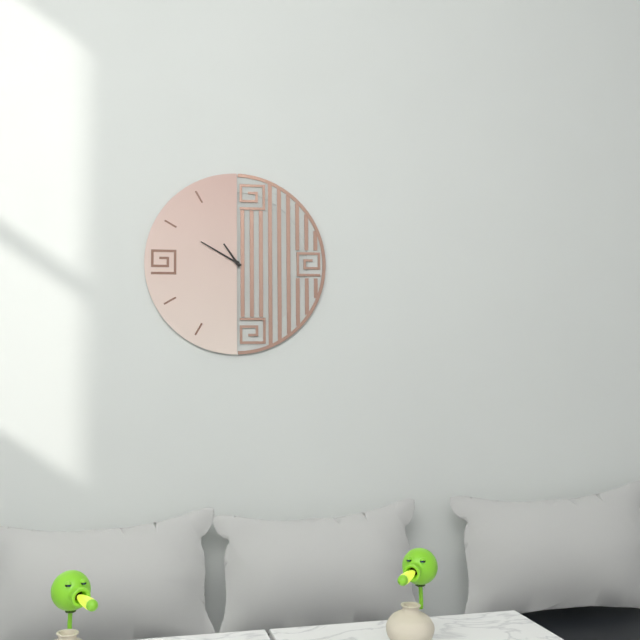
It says 10:50
